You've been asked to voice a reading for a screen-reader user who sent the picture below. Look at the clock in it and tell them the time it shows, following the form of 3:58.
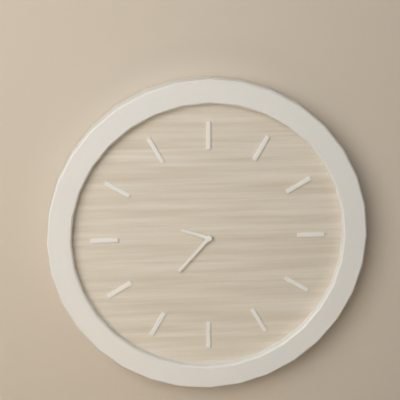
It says 9:37
